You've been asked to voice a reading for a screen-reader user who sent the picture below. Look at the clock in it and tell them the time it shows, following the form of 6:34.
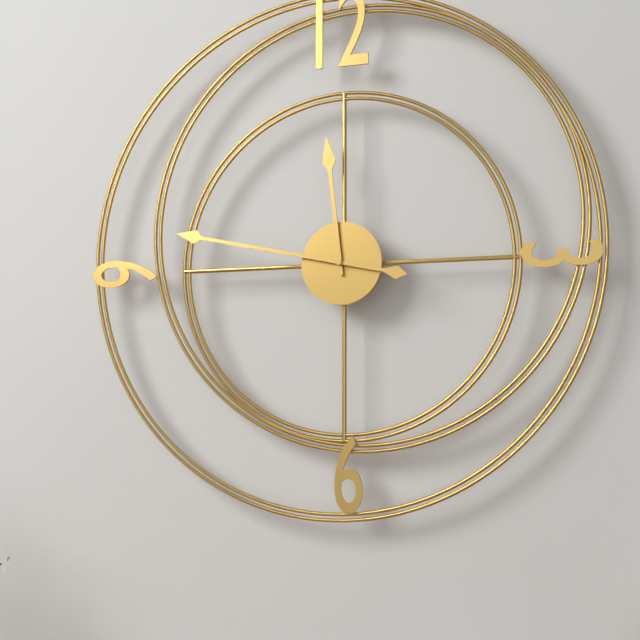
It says 11:47
